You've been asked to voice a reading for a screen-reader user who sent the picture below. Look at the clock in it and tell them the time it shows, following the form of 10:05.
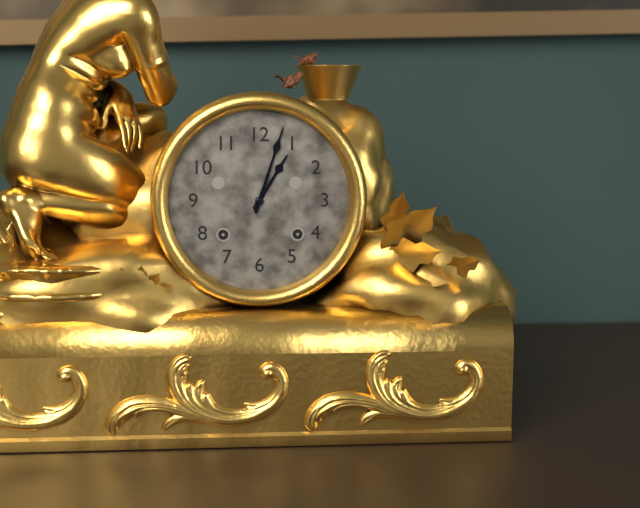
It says 1:03
